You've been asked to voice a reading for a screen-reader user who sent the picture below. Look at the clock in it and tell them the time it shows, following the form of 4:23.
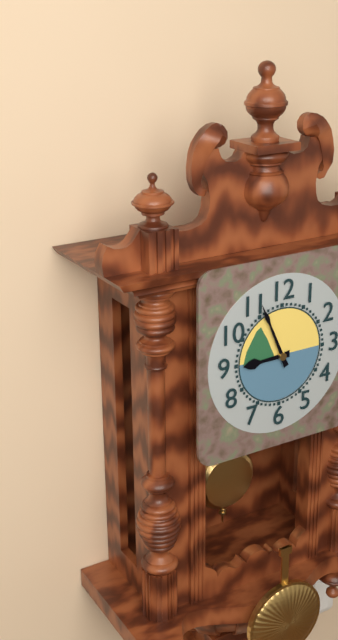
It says 8:56
